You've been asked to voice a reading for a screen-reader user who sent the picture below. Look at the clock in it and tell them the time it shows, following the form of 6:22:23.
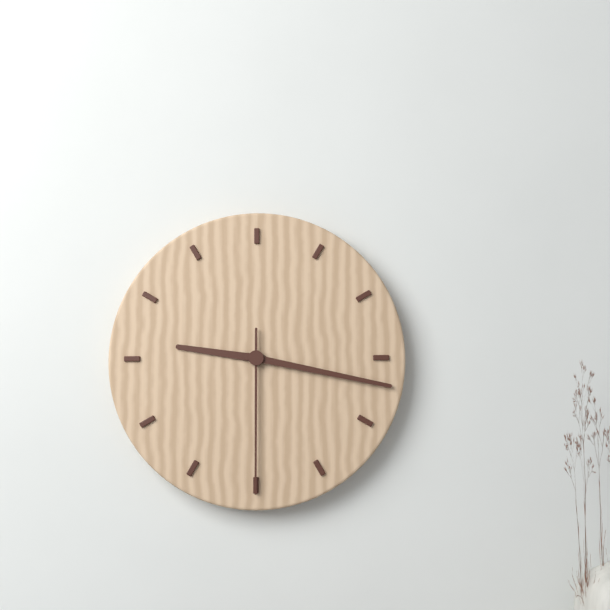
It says 9:17:30
